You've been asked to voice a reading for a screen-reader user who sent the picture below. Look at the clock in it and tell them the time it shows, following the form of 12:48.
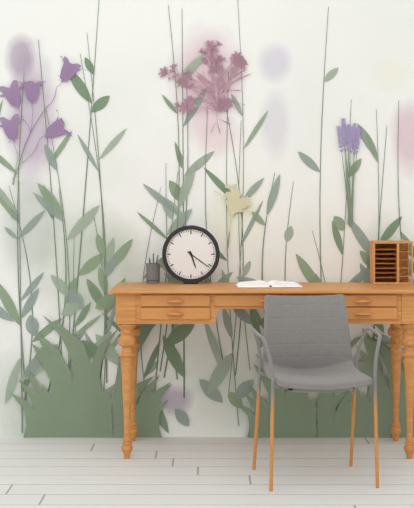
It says 5:21
